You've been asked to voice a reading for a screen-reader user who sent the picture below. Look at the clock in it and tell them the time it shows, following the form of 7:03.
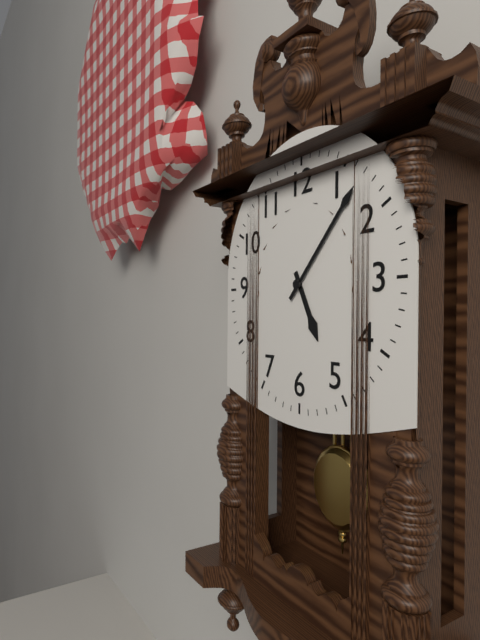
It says 5:07
